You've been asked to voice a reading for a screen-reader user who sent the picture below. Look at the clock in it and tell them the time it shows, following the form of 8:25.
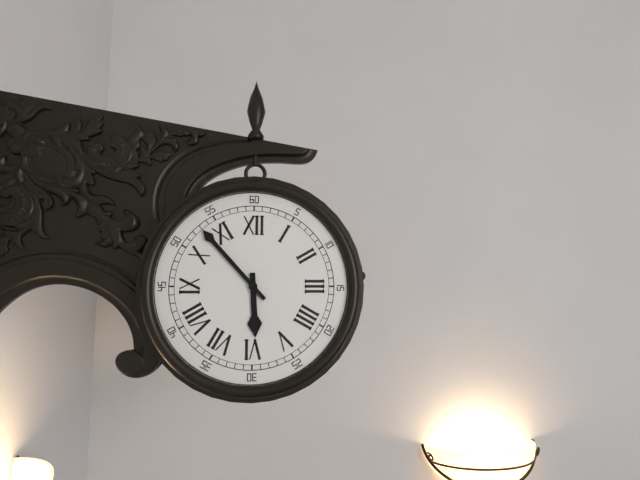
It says 5:53
